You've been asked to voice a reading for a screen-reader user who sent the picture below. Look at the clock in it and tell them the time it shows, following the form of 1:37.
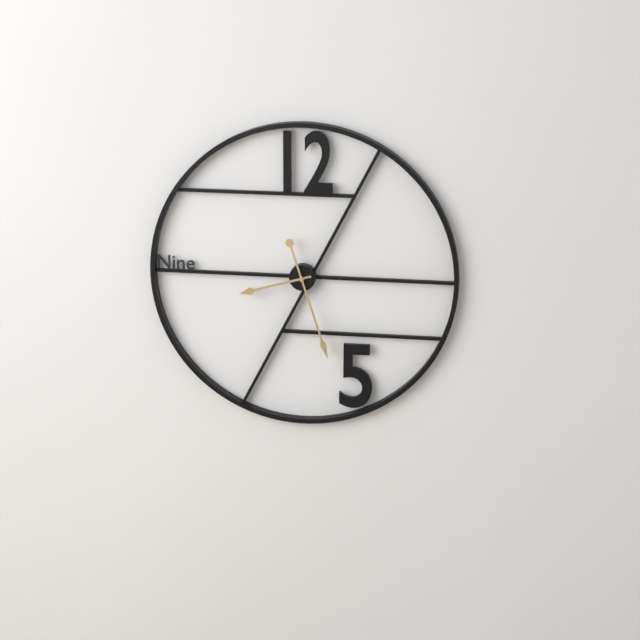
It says 8:27
